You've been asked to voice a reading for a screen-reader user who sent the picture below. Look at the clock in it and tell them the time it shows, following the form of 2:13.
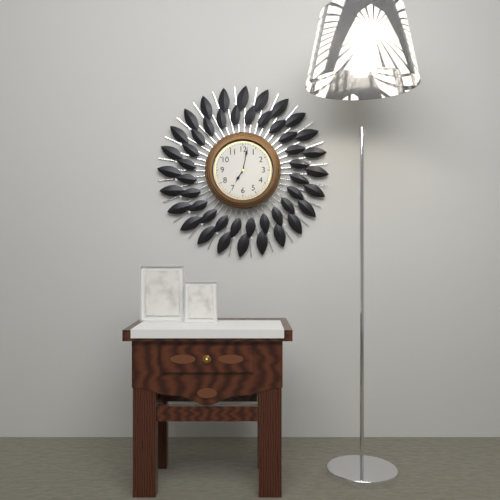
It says 7:02
